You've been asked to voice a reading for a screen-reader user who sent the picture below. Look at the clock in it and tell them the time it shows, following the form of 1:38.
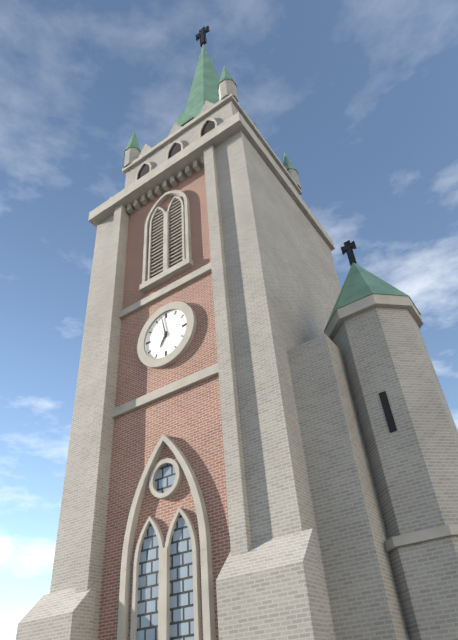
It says 6:58
